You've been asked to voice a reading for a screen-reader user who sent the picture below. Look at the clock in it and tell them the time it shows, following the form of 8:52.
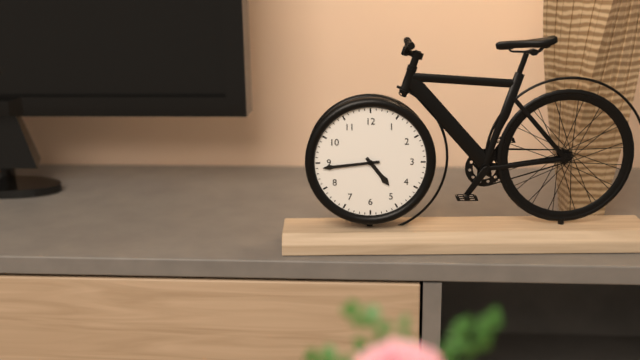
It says 4:44
